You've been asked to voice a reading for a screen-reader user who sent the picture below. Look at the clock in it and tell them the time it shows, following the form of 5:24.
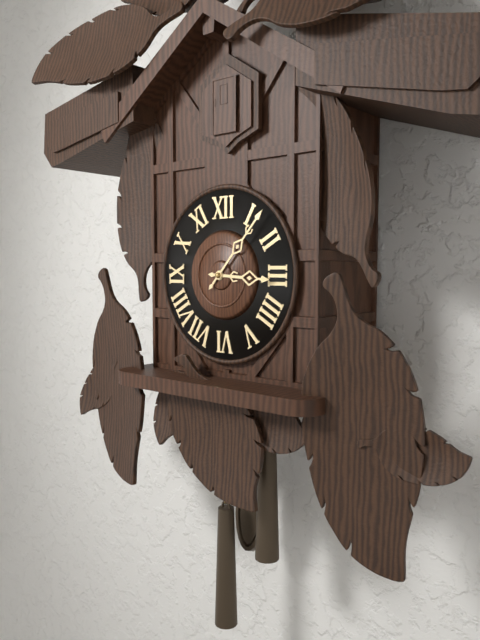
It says 3:07
